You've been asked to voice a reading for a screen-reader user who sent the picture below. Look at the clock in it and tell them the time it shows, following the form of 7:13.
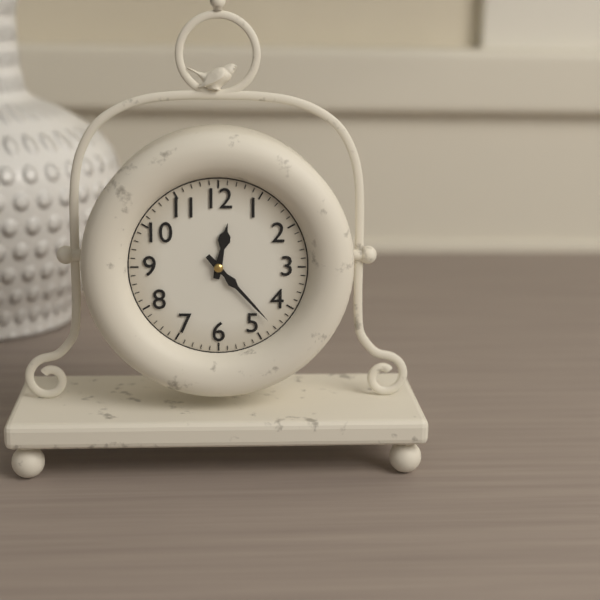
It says 12:23
